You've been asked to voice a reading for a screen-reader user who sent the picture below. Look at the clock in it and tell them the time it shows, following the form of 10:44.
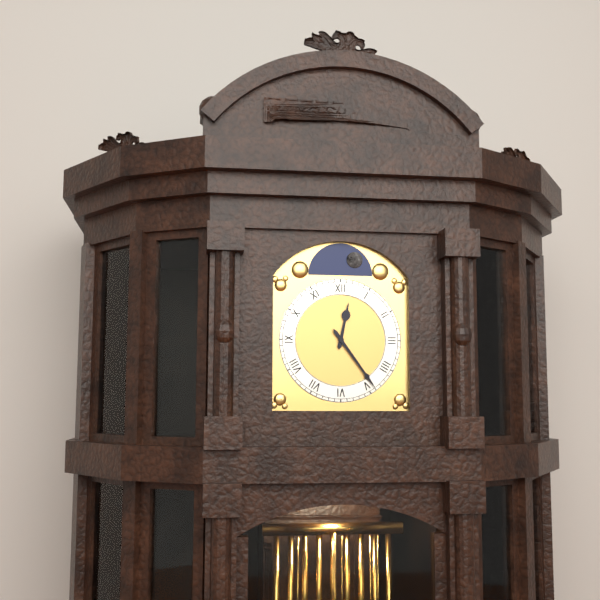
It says 12:24
